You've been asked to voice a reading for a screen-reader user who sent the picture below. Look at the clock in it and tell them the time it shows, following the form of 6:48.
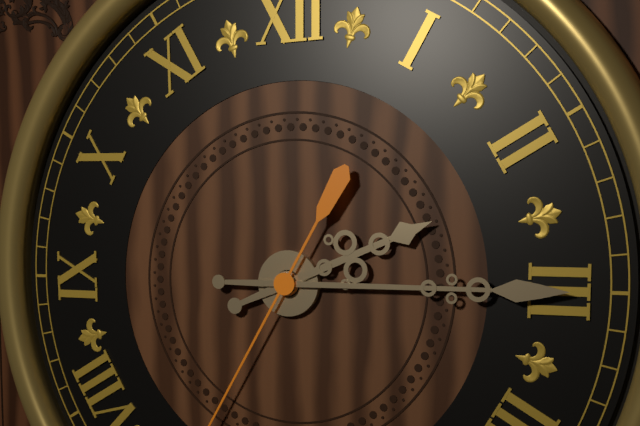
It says 2:15
